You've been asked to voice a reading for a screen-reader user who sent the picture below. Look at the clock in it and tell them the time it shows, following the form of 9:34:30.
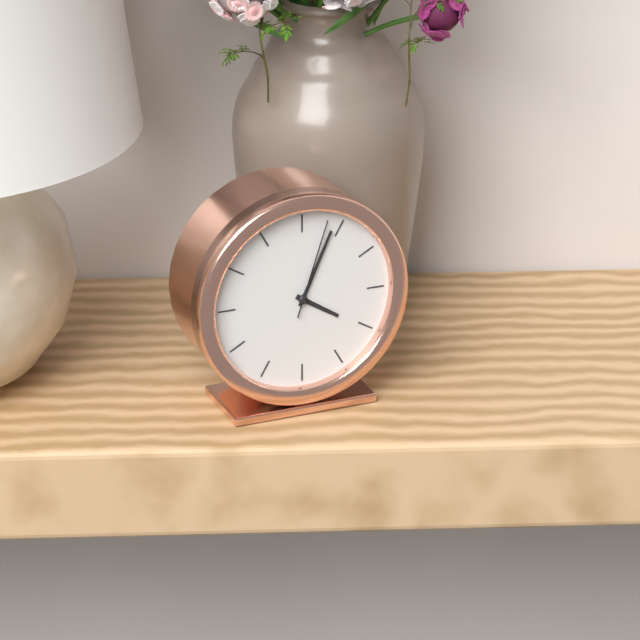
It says 4:04:03
